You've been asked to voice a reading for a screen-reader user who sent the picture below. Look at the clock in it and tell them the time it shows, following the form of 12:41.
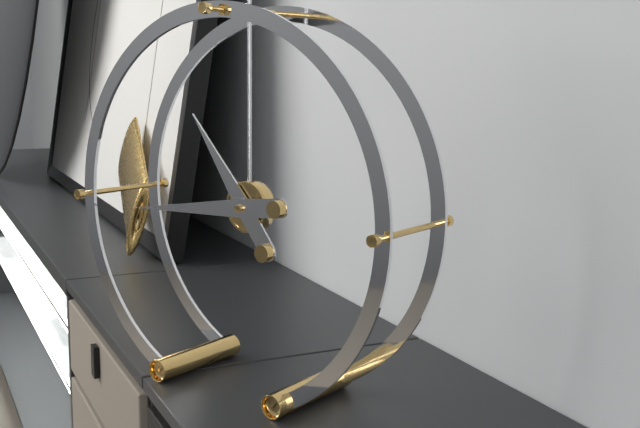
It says 10:44
